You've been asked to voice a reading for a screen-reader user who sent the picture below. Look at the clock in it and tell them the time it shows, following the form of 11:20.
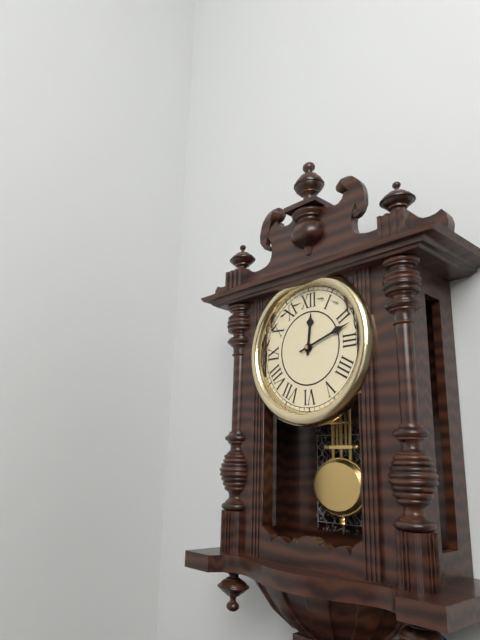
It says 12:12
